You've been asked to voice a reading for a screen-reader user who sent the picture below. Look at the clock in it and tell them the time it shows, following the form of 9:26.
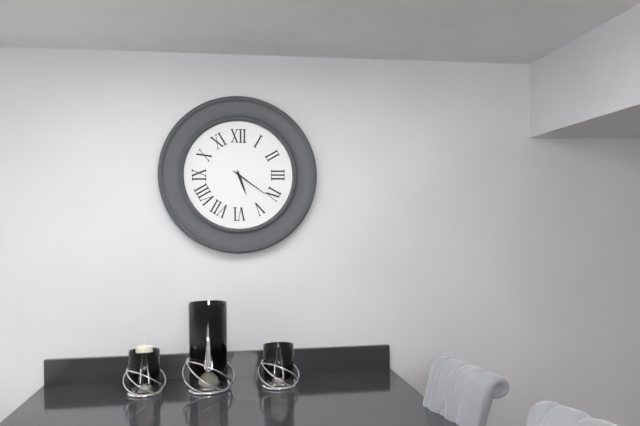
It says 5:21
